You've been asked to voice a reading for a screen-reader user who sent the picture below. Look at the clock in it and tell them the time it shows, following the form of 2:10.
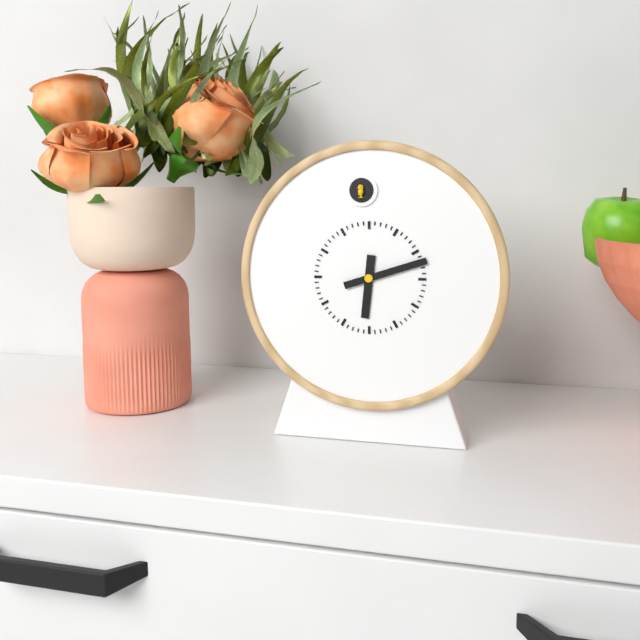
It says 6:12
